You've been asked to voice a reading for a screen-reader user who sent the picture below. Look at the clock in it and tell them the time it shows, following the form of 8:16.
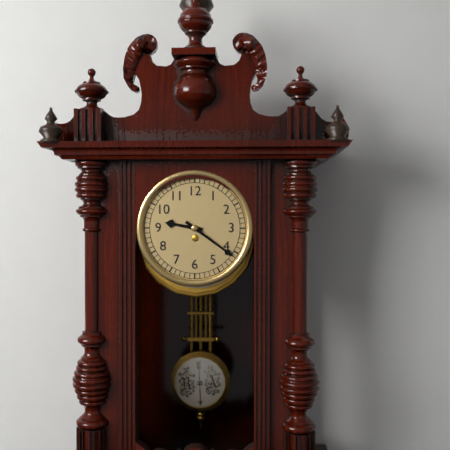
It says 9:21
